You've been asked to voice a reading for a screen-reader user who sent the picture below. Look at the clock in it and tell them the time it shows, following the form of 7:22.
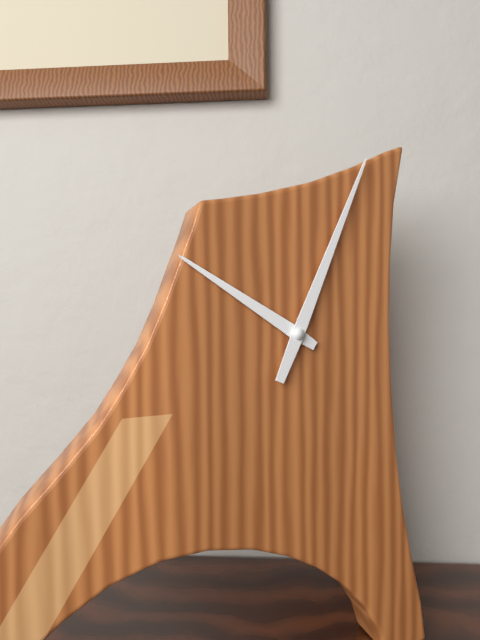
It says 10:04
